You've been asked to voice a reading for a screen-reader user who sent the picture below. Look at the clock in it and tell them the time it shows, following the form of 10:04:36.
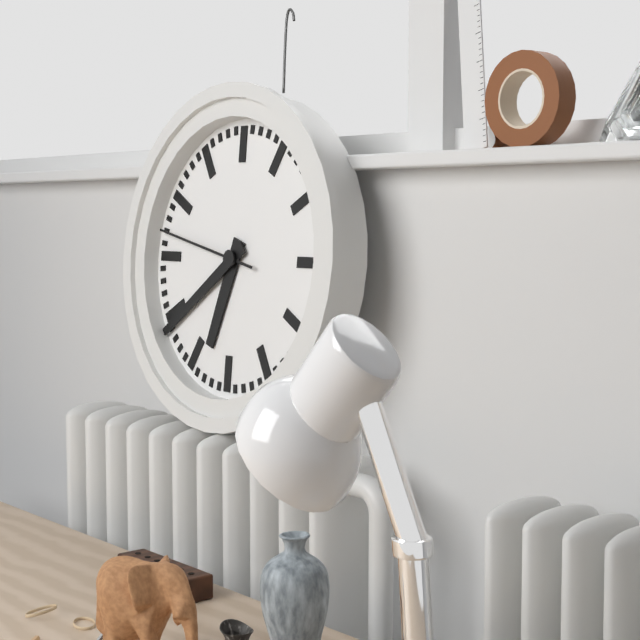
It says 6:39:47
